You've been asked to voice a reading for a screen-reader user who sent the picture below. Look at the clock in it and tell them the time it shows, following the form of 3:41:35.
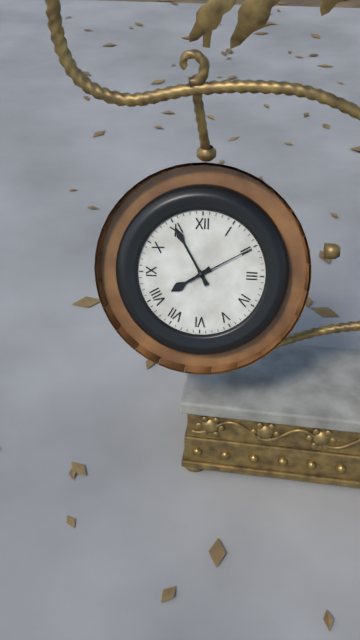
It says 7:55:10
